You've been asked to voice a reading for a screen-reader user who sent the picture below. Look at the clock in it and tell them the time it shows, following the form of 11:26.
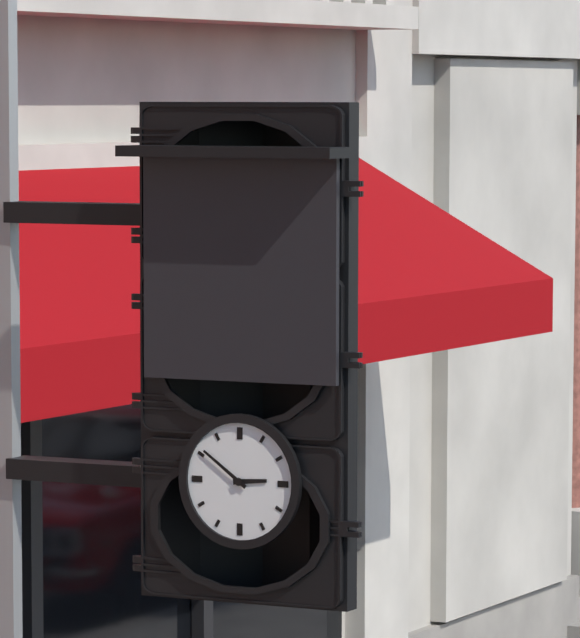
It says 2:51
